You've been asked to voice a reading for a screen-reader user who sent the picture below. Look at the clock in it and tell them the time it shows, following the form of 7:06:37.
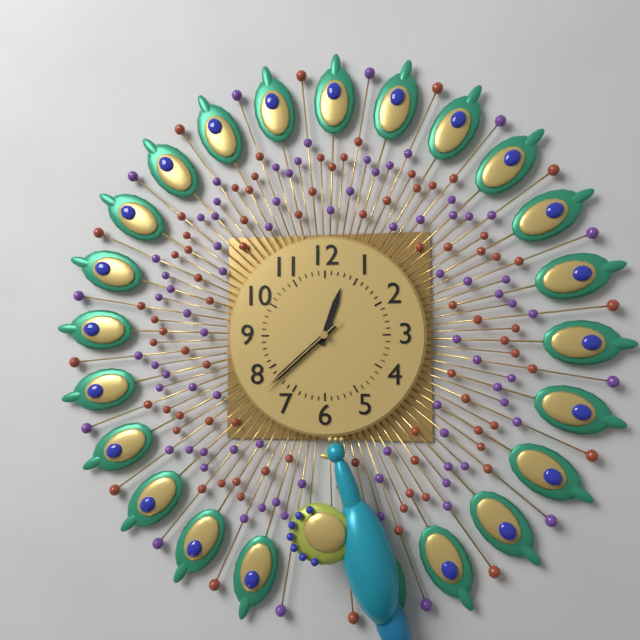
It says 12:38:38
